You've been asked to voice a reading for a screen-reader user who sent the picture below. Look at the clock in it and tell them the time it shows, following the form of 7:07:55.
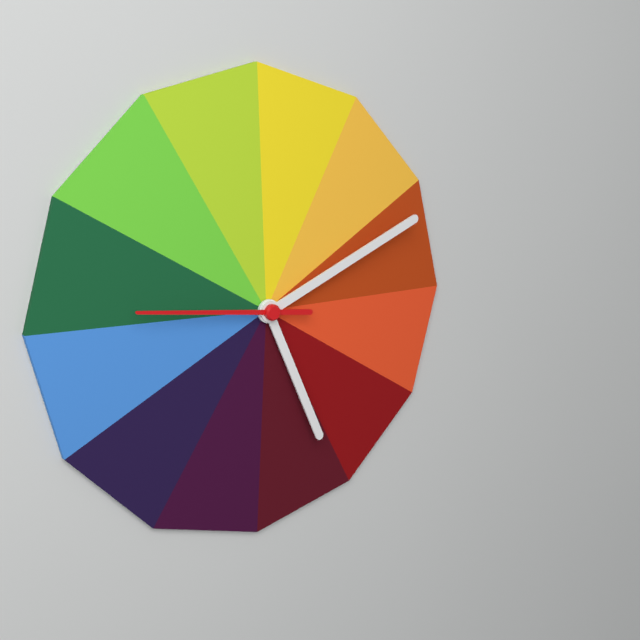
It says 5:11:46
